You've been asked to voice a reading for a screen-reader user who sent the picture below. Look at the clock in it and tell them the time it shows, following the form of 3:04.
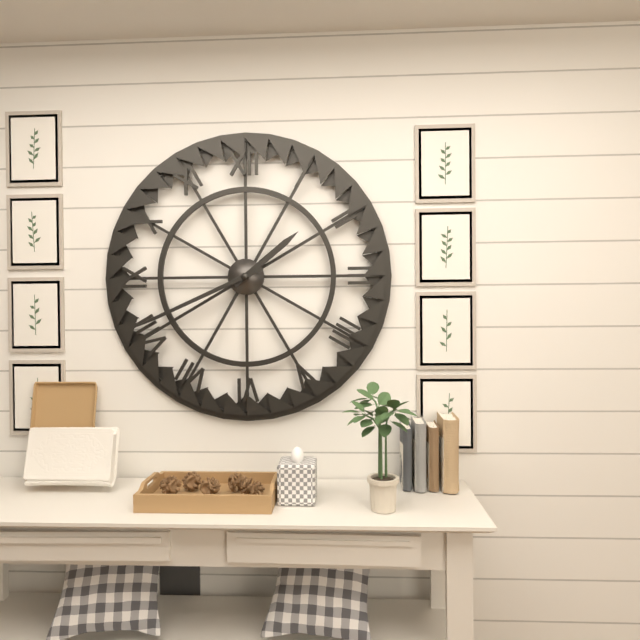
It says 1:41
